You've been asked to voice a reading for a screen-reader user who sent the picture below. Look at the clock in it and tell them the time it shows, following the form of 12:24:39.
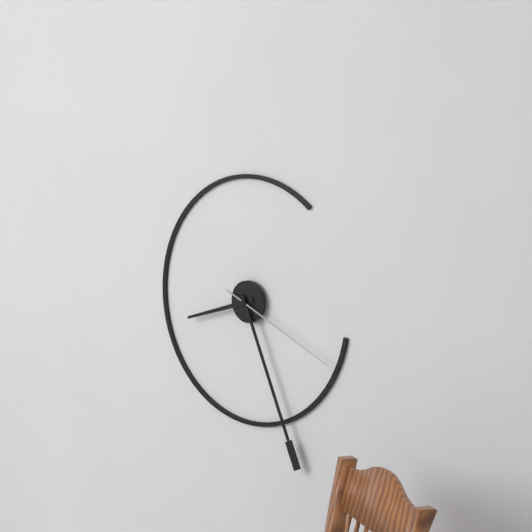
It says 8:26:19
